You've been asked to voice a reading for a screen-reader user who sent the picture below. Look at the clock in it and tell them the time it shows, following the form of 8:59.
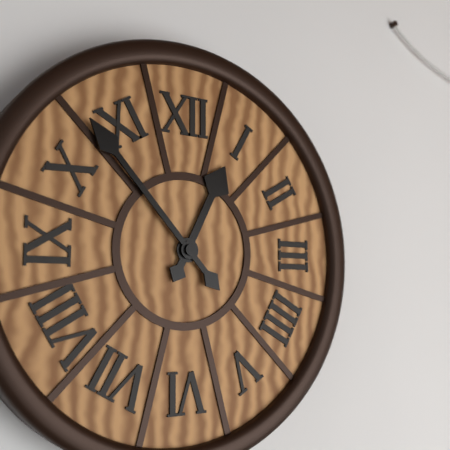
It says 12:53
